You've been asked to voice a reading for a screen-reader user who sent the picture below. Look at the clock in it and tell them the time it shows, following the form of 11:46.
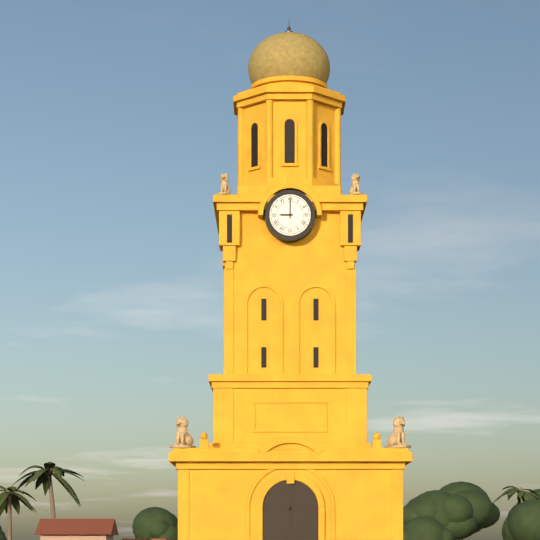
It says 9:00
